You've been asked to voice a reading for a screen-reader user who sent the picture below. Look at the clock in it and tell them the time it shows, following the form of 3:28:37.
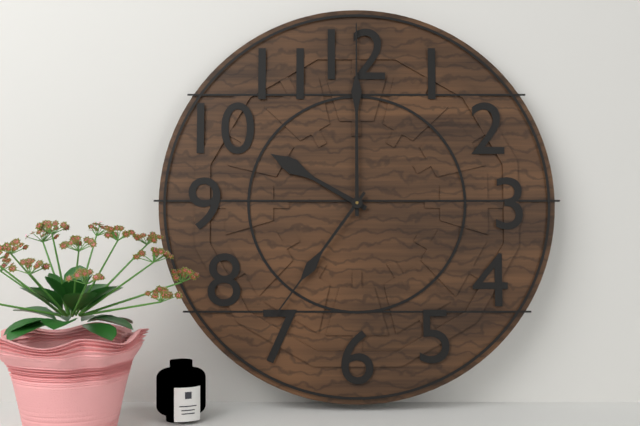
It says 10:00:36
